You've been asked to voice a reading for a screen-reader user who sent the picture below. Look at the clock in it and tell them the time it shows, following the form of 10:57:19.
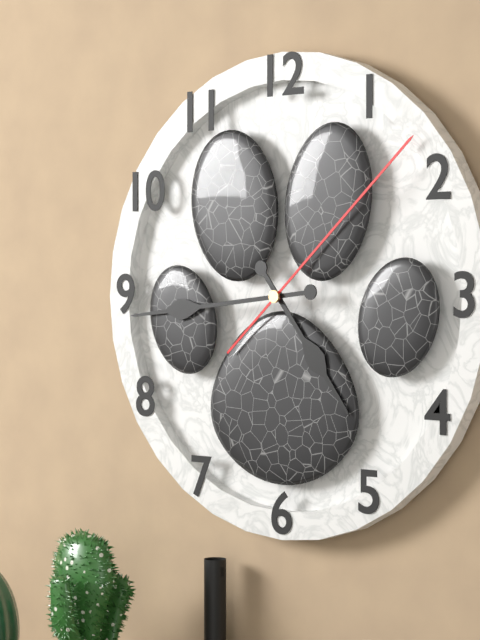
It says 4:44:08
